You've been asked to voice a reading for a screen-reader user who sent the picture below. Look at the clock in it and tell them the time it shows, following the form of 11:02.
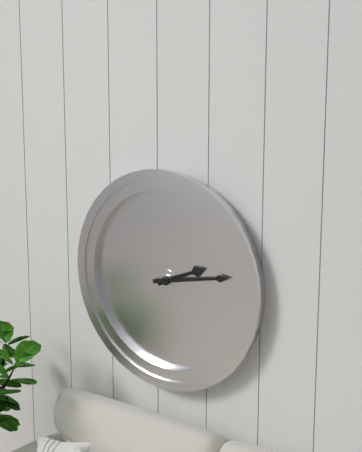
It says 2:13
